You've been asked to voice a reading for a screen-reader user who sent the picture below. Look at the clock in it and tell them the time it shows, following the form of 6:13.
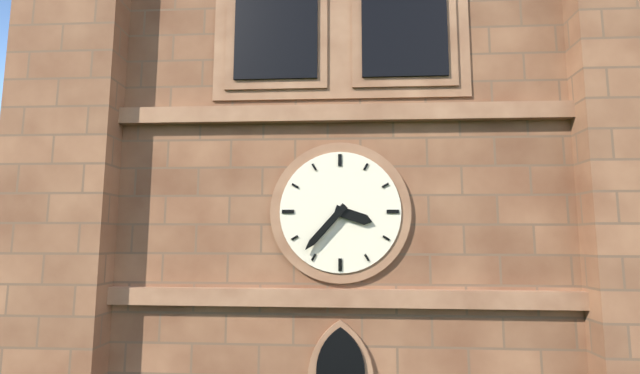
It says 3:37
